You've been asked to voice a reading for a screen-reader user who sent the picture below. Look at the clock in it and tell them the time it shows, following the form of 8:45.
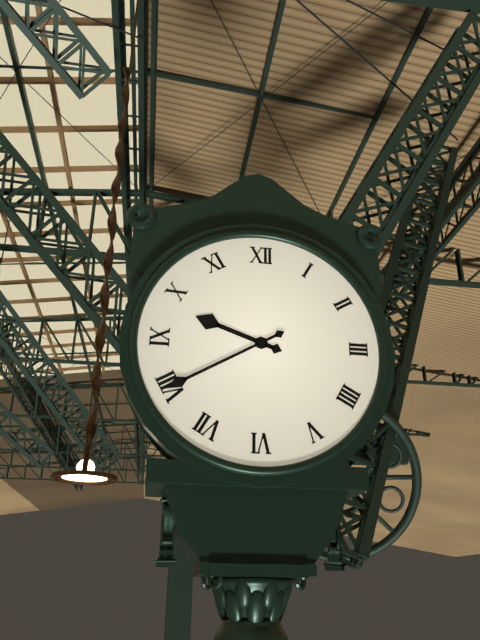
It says 9:40
